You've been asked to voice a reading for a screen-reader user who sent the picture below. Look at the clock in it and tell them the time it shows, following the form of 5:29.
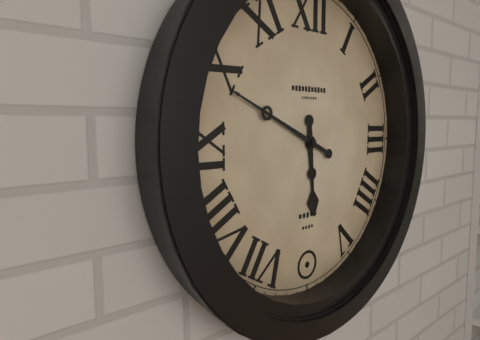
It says 5:49
